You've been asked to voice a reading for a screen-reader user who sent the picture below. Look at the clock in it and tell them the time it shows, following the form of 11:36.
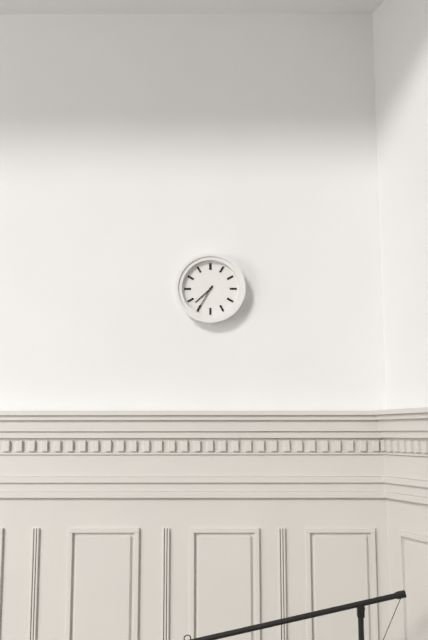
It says 7:35
